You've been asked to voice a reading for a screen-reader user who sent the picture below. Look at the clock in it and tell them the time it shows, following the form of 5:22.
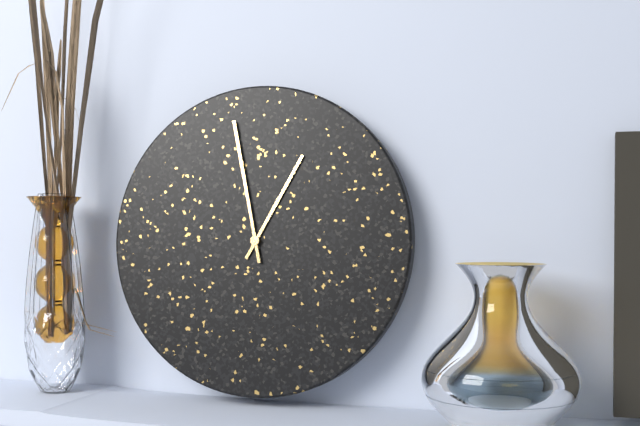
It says 12:58
